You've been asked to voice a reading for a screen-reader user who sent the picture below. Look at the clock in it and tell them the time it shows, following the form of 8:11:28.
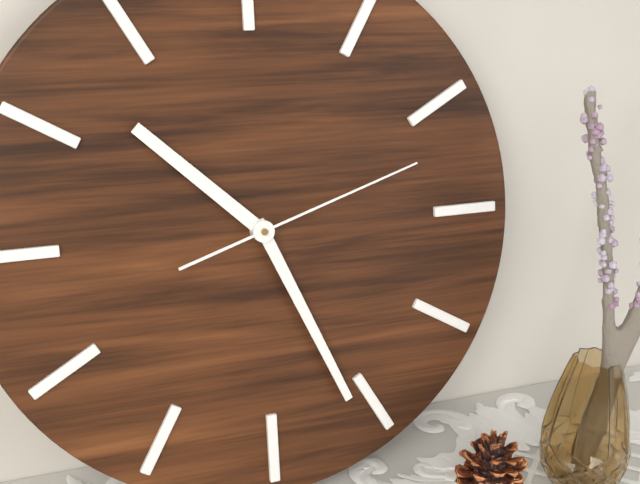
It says 10:26:12
